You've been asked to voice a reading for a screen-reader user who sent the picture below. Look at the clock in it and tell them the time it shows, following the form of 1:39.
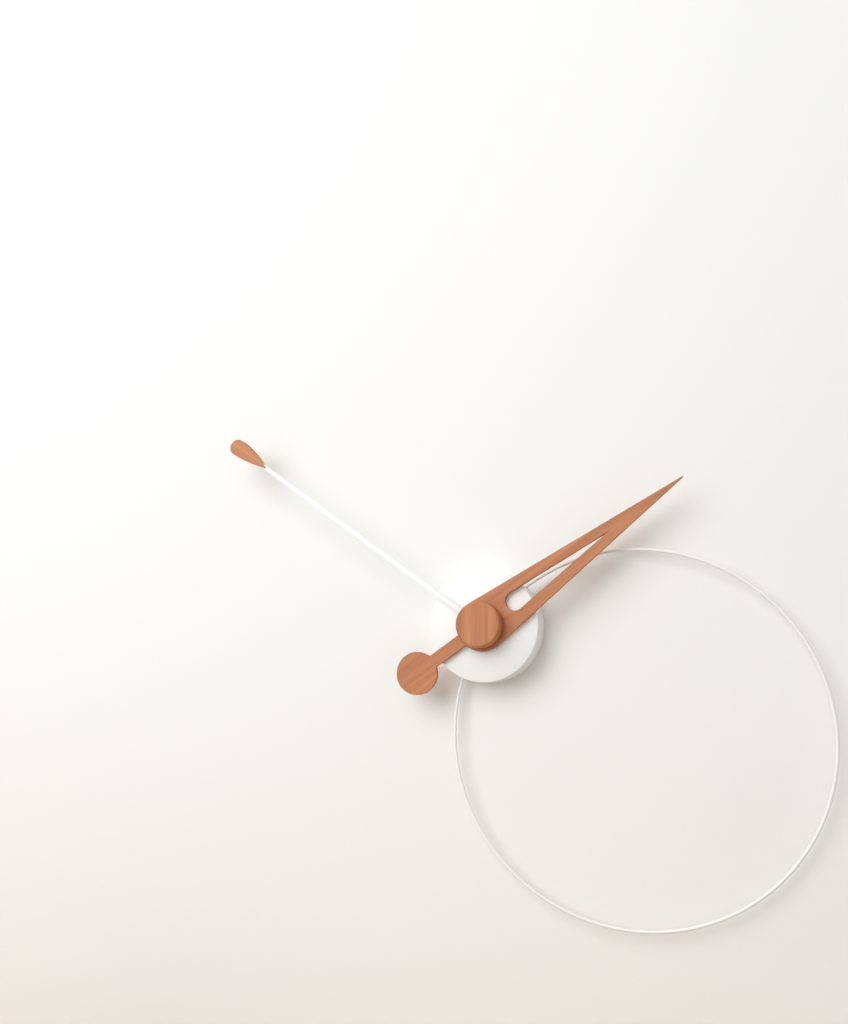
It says 1:51
